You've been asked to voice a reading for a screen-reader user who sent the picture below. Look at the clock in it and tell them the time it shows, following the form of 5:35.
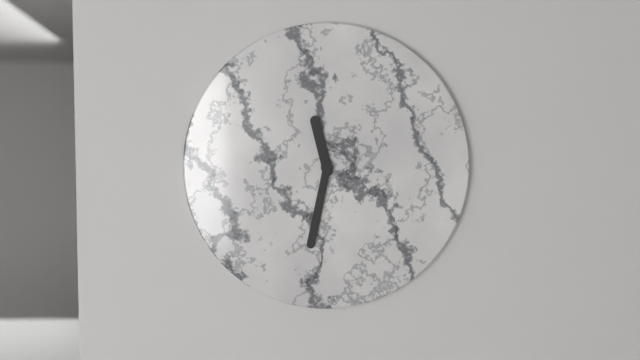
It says 11:32
